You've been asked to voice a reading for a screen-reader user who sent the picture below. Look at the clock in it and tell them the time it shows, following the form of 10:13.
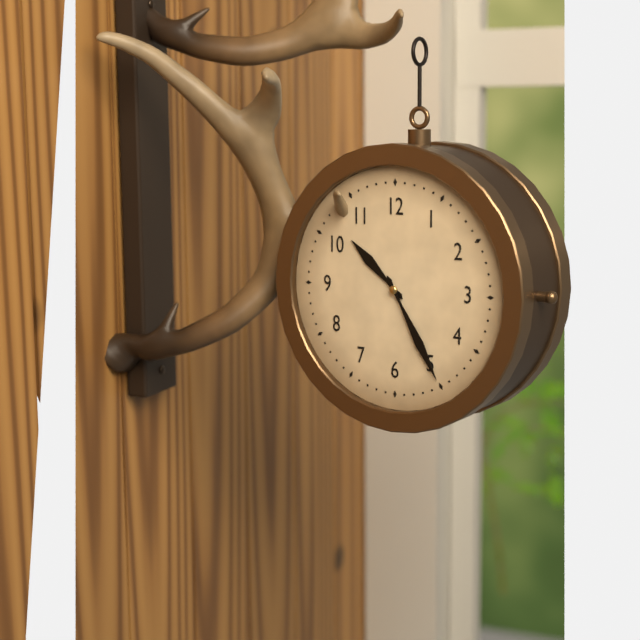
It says 10:25
